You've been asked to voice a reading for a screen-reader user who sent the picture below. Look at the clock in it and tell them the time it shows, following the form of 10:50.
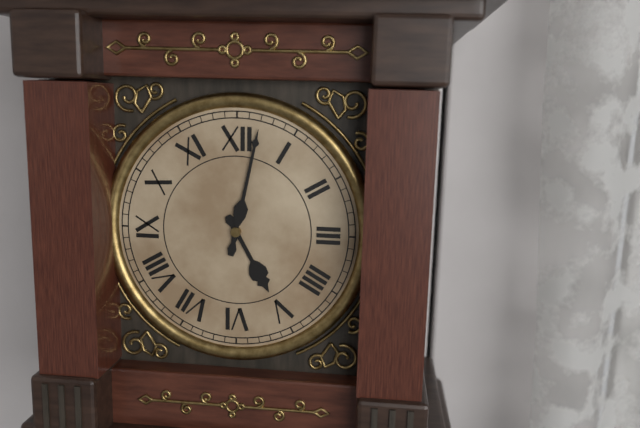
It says 5:02
